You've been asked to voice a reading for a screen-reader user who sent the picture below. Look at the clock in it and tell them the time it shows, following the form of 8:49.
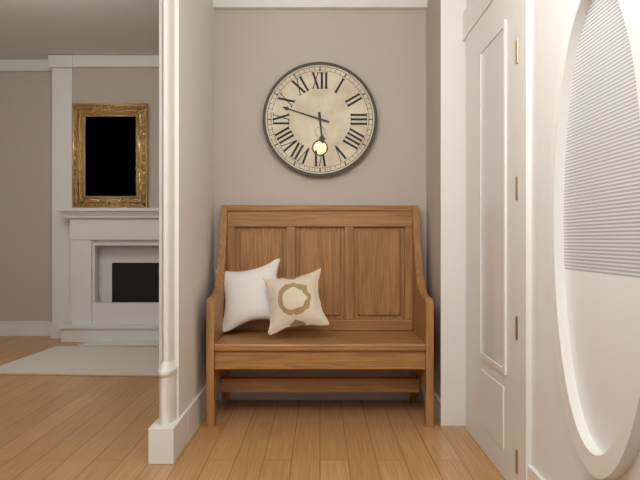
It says 5:48
